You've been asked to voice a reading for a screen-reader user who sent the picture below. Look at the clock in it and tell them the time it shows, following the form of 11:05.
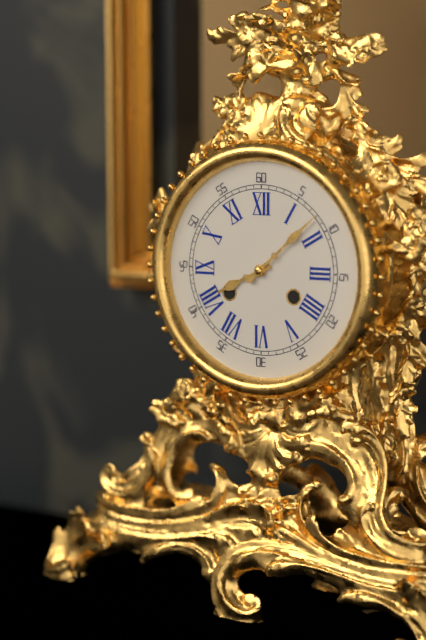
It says 8:08
